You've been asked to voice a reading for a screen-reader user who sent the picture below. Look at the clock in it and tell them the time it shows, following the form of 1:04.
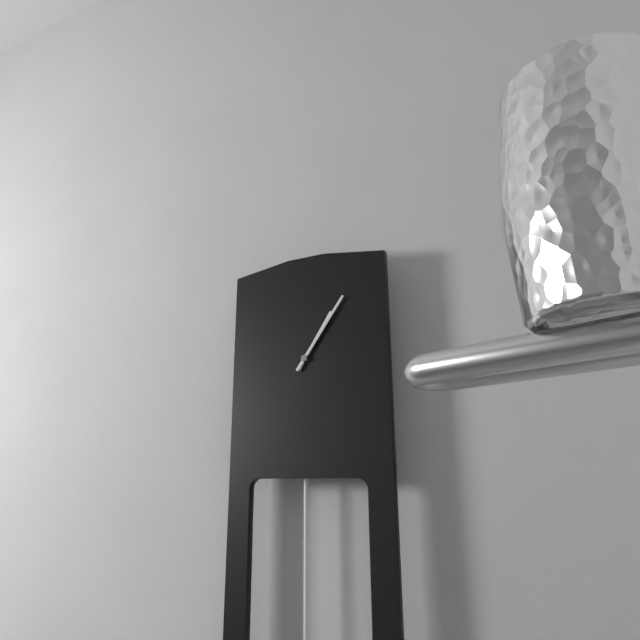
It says 1:06
